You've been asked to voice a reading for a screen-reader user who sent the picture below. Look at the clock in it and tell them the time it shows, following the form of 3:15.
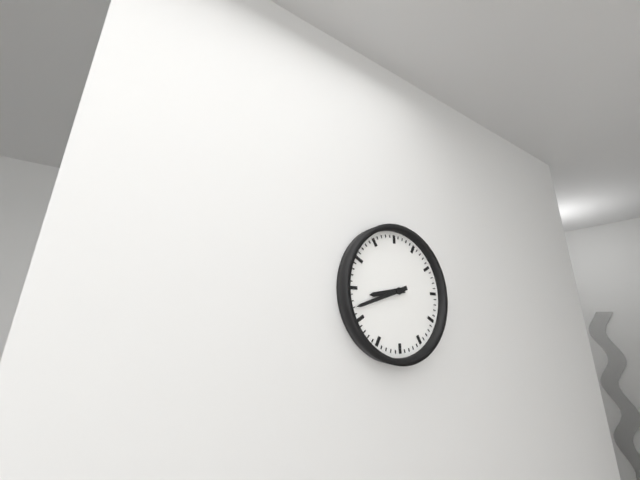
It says 8:42
